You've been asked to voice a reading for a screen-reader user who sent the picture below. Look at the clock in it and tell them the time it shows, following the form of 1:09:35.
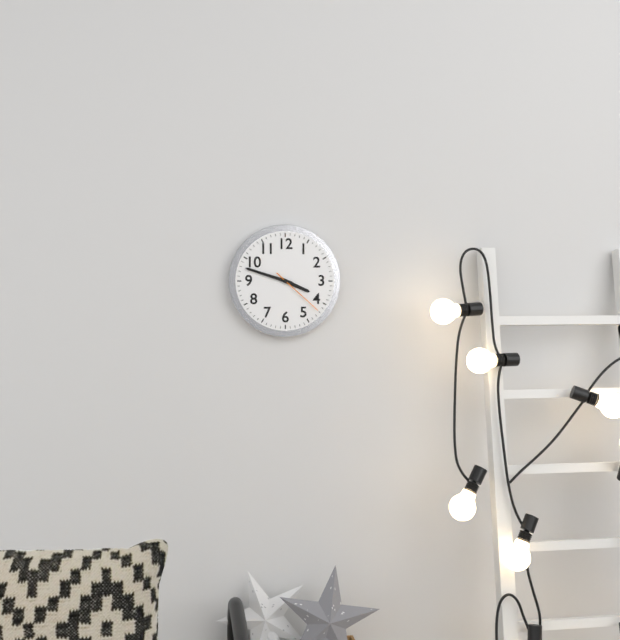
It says 3:48:22
